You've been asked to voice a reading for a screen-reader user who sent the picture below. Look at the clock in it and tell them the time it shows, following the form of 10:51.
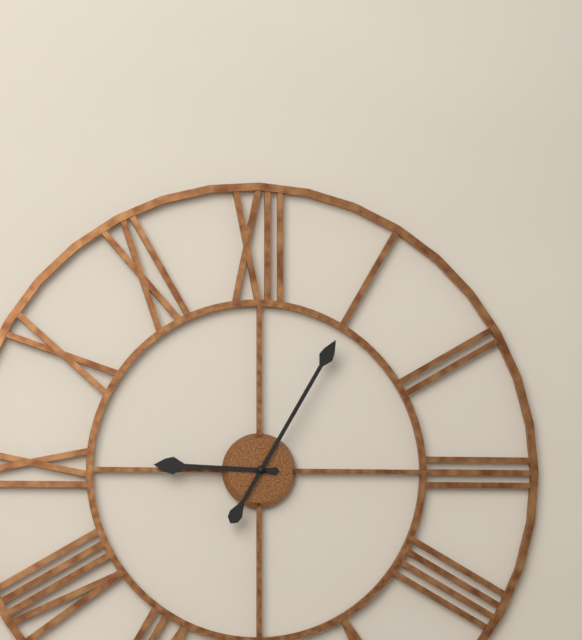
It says 9:05
